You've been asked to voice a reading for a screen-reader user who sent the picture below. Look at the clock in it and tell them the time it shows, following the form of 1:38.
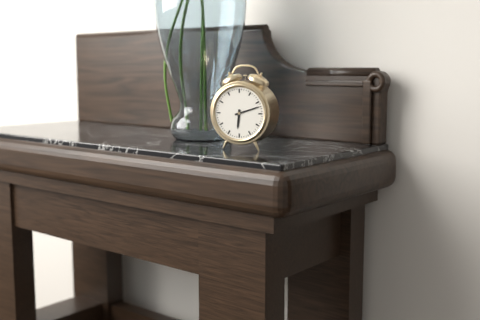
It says 6:12
